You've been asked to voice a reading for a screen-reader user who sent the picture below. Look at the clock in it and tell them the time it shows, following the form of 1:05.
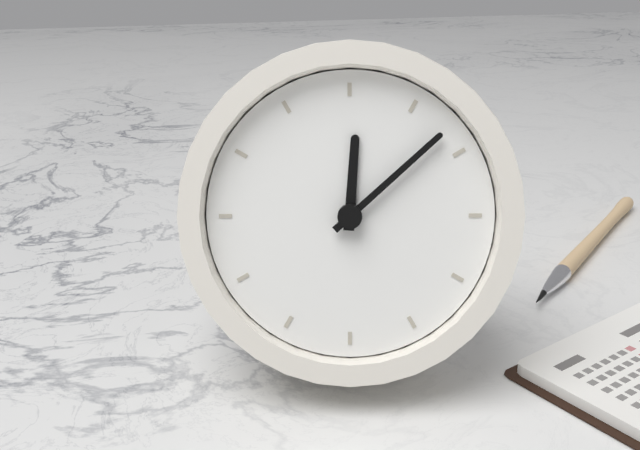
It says 12:08
